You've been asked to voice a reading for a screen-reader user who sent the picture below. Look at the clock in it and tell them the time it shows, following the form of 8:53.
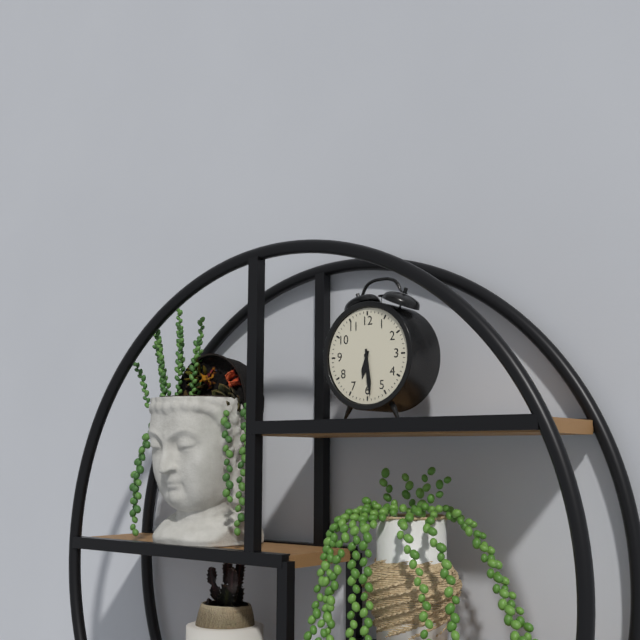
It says 6:29
